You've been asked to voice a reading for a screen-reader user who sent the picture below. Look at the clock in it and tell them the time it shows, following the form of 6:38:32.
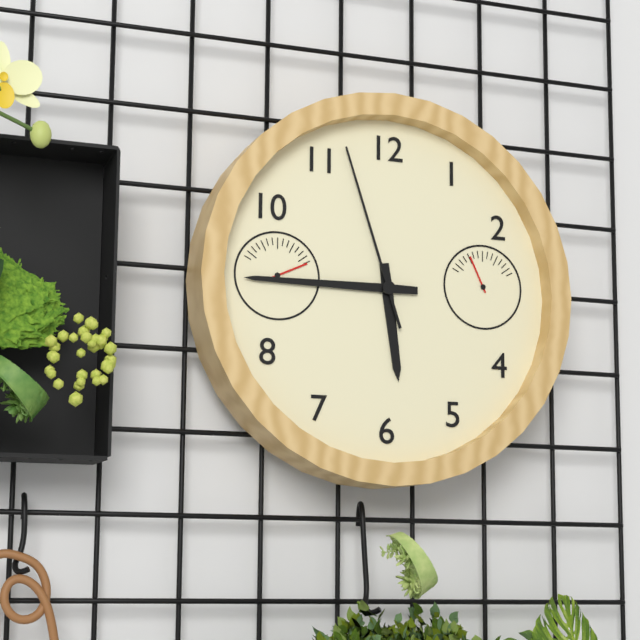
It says 5:45:57
